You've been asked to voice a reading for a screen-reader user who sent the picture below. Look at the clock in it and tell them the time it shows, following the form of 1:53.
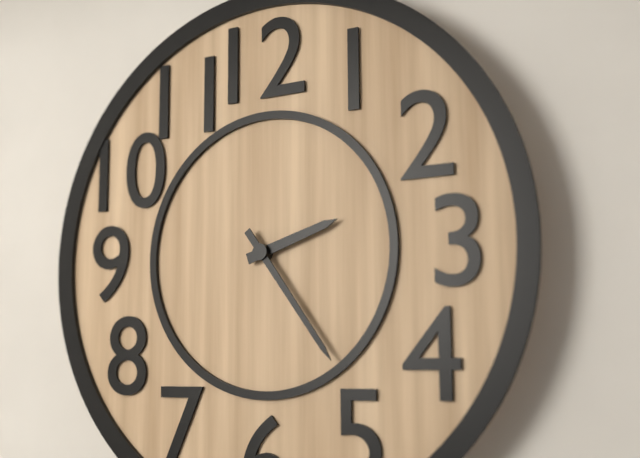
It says 2:24
